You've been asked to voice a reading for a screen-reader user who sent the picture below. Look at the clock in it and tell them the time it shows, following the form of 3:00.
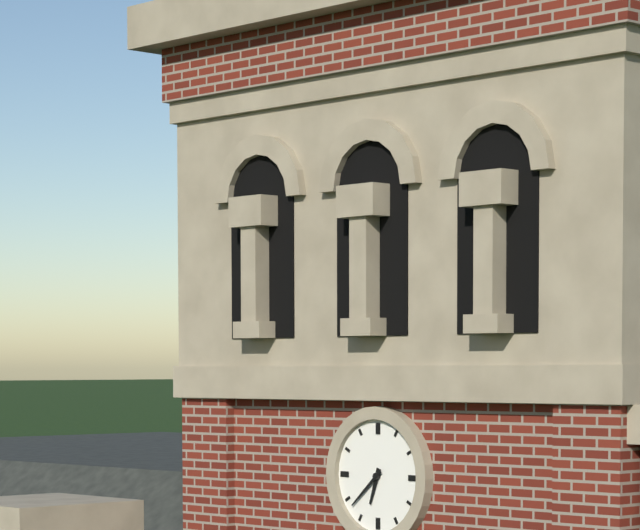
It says 6:38
